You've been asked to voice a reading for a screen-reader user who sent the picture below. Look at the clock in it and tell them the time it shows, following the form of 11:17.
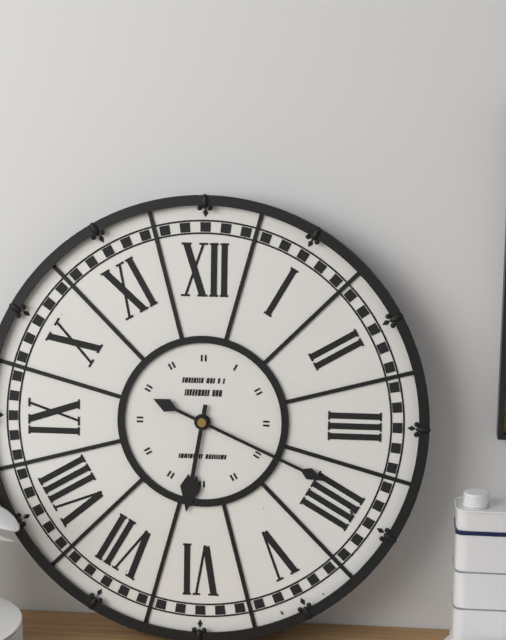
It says 6:19
